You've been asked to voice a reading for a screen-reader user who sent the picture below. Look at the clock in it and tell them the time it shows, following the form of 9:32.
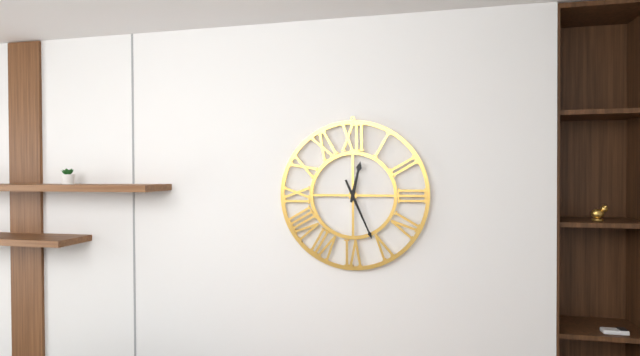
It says 12:26
